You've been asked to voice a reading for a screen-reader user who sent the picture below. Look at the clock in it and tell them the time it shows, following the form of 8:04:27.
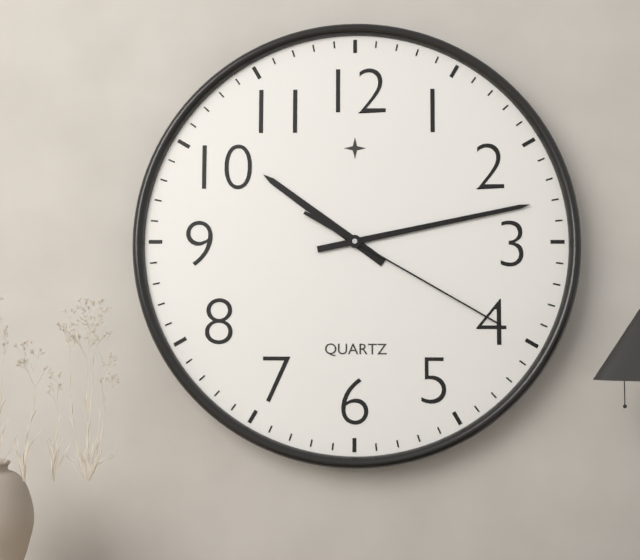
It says 10:13:20
